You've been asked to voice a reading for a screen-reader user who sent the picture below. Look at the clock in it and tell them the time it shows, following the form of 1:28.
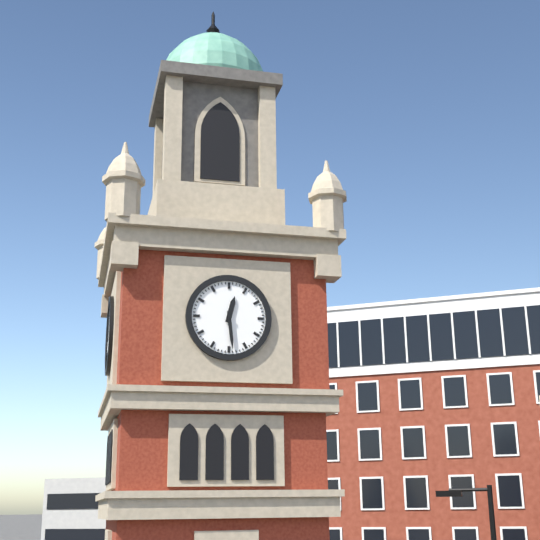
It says 12:29
